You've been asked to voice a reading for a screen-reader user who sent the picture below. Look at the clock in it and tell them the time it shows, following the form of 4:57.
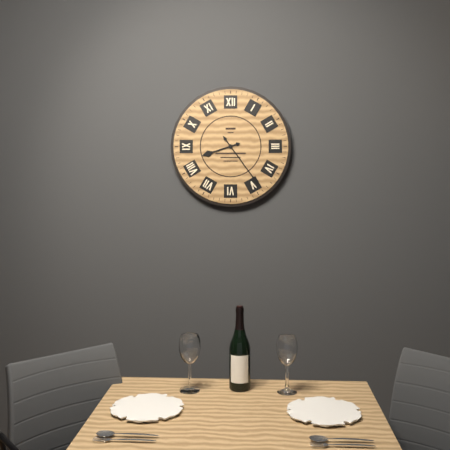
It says 8:24
